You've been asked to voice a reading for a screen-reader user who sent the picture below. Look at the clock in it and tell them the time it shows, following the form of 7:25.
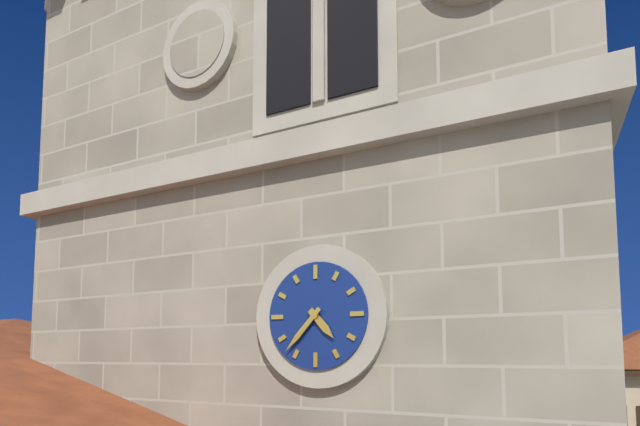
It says 4:37
